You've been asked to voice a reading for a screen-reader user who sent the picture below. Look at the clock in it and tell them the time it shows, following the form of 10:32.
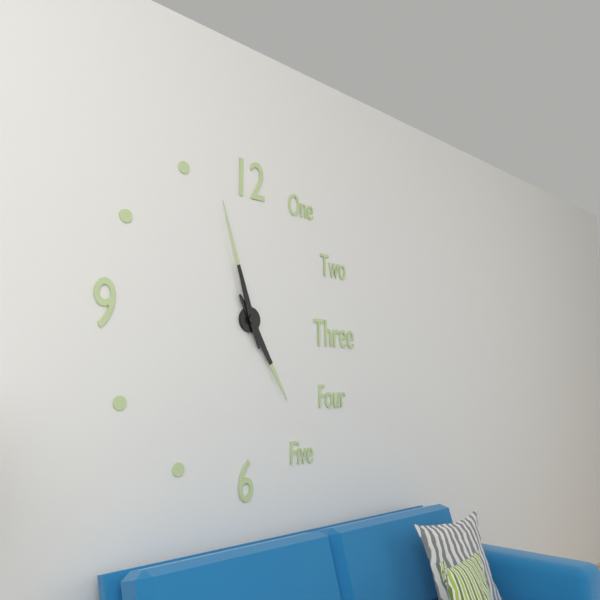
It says 4:57
